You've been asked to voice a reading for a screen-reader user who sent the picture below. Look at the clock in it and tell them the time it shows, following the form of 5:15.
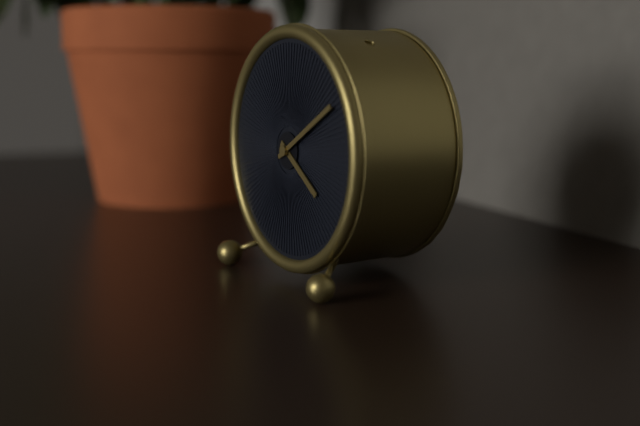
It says 4:10
